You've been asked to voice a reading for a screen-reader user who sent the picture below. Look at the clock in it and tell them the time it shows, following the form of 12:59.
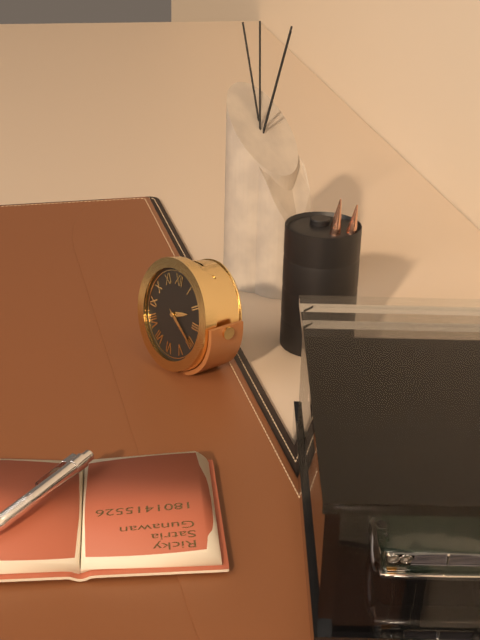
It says 2:20
